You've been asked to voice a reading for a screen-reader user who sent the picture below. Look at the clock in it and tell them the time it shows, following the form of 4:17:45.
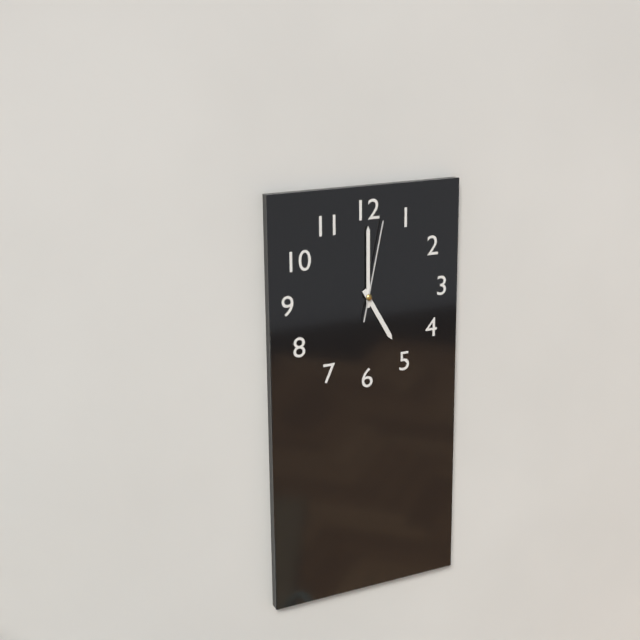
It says 5:00:02
